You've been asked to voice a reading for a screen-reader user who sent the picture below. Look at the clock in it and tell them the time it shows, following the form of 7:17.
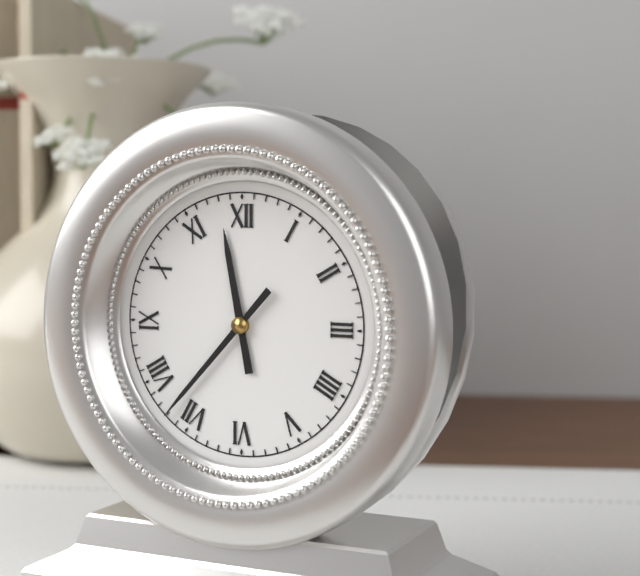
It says 11:37
